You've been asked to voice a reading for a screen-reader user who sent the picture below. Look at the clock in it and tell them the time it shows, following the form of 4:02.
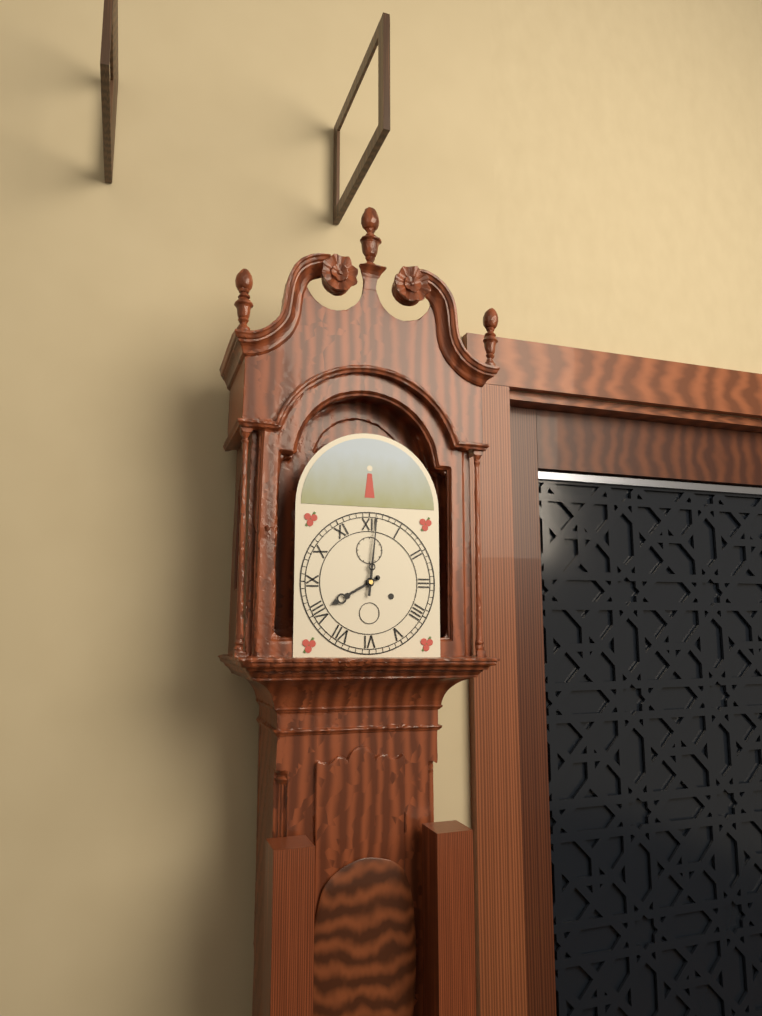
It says 8:01
